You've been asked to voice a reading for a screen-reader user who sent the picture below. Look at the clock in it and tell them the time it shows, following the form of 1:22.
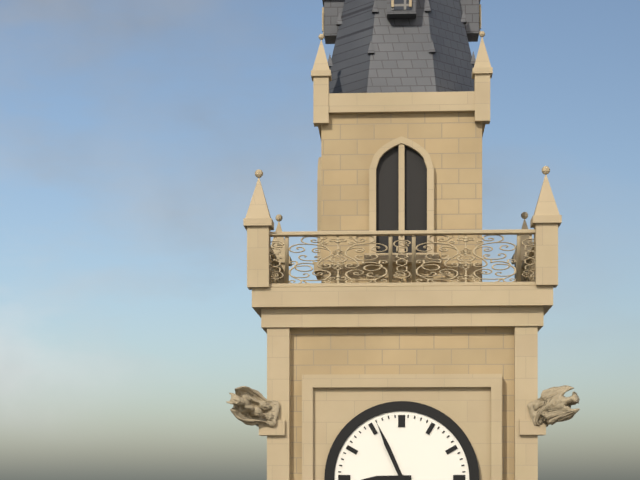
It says 8:56
